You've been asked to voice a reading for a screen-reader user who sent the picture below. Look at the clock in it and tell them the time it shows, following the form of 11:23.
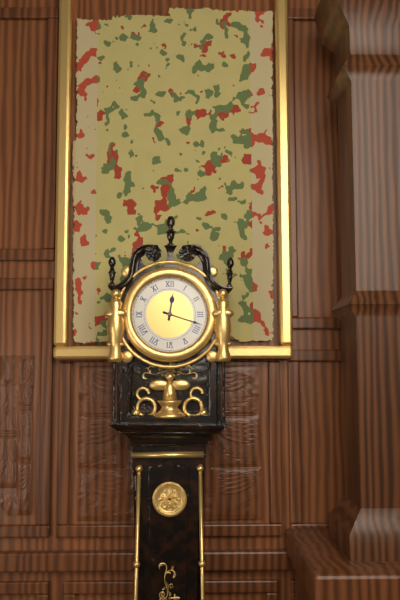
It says 12:18
